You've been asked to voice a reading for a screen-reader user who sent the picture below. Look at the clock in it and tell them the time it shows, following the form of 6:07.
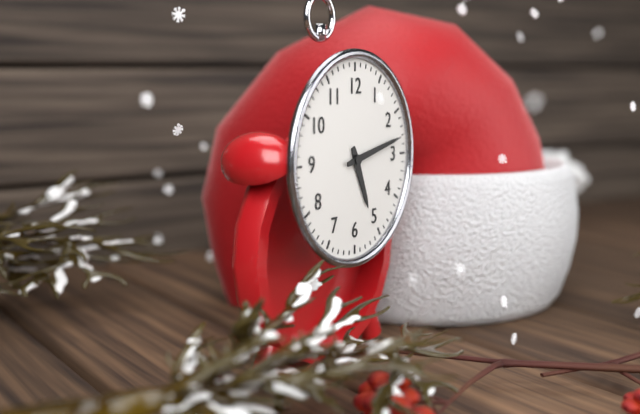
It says 5:13
